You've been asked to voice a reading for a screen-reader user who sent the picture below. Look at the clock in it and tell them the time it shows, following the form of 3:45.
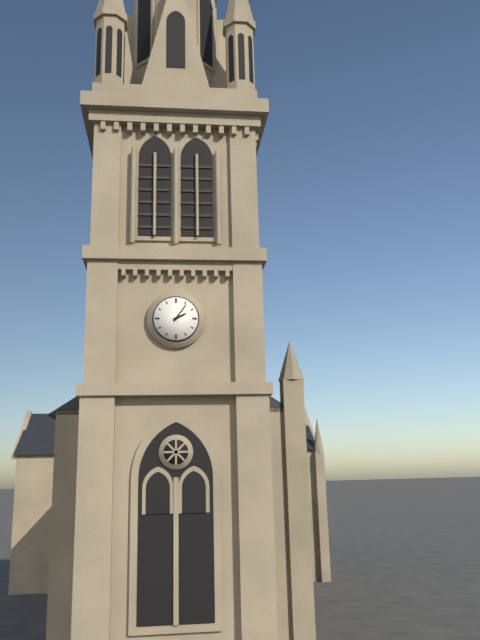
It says 2:06
